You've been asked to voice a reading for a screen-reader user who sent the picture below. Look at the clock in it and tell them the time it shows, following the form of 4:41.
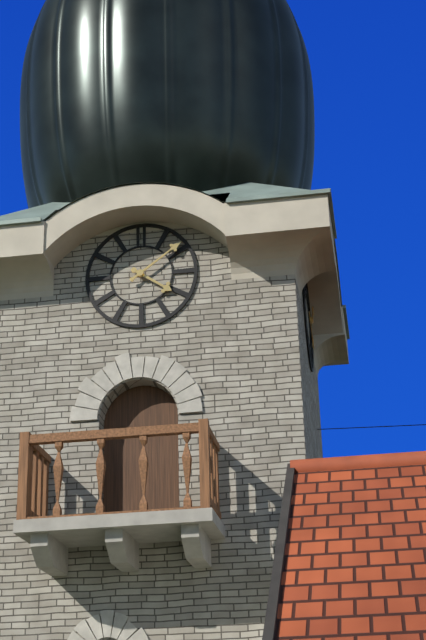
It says 4:09
